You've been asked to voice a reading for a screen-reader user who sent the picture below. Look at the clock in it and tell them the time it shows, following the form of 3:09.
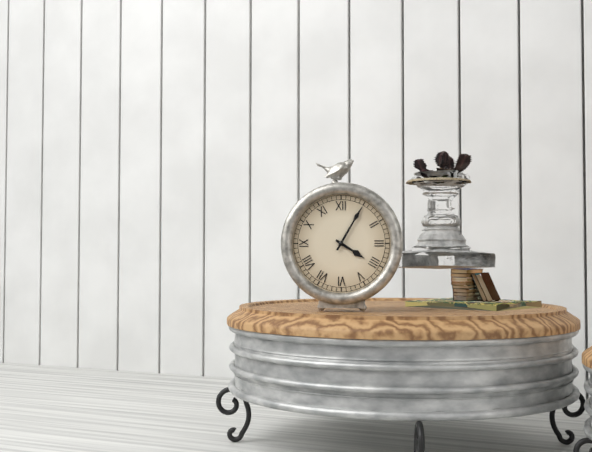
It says 4:05
